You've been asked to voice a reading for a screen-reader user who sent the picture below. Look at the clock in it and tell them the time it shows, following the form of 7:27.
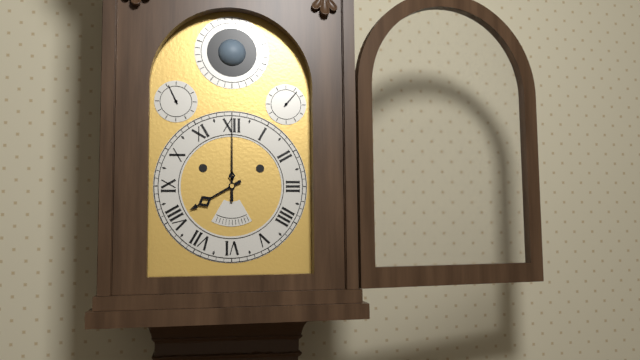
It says 8:00
